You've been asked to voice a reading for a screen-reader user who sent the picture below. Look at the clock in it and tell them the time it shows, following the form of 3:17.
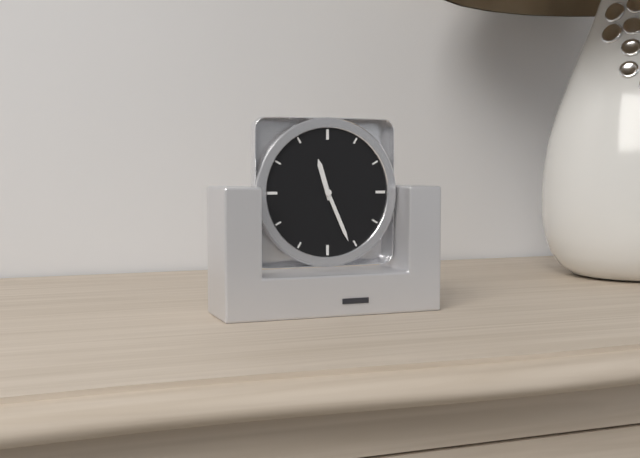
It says 11:26
